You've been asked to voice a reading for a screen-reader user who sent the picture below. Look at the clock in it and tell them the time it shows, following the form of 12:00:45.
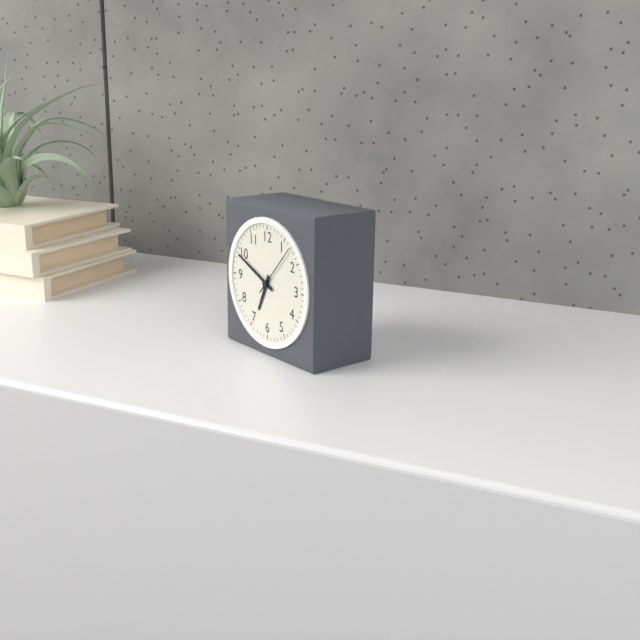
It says 6:49:07
